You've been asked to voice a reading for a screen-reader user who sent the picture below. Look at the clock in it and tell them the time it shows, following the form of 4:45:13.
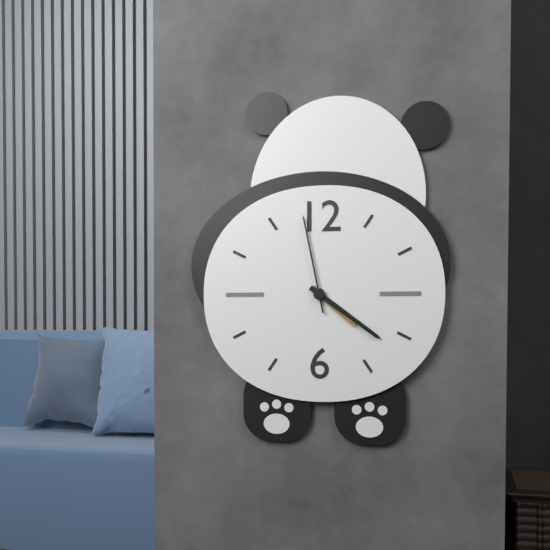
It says 4:21:58
